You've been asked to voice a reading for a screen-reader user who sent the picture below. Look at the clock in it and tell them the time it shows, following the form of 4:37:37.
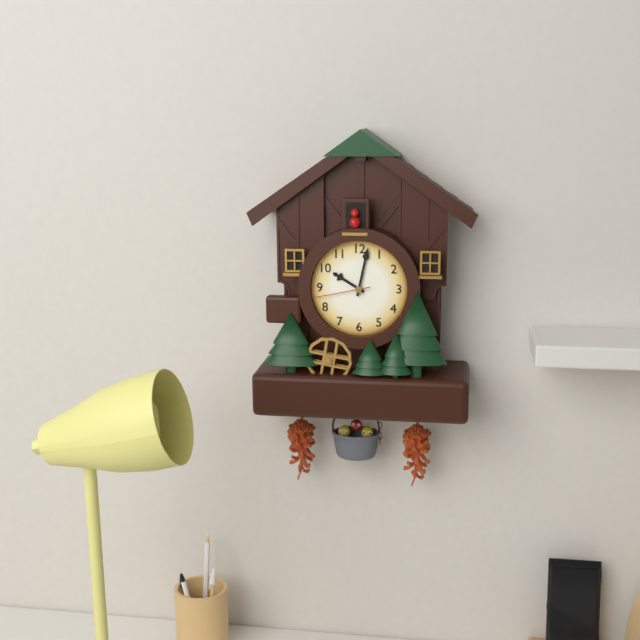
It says 10:02:43
